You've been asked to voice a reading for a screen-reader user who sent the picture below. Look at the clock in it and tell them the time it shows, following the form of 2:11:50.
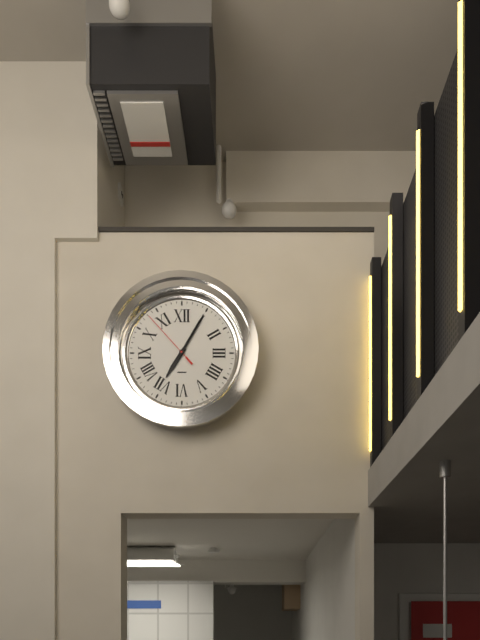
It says 7:05:53
